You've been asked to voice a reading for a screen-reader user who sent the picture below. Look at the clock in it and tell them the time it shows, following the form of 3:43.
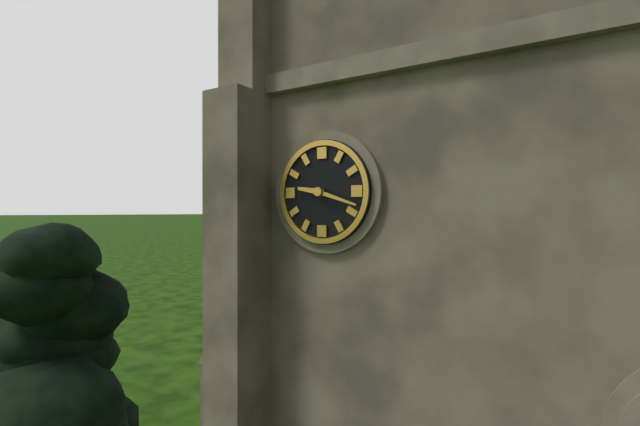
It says 9:18
